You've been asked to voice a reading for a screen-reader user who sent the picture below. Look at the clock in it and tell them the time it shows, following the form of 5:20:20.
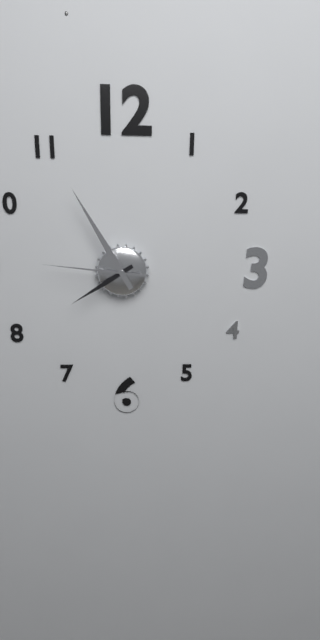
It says 7:55:46
